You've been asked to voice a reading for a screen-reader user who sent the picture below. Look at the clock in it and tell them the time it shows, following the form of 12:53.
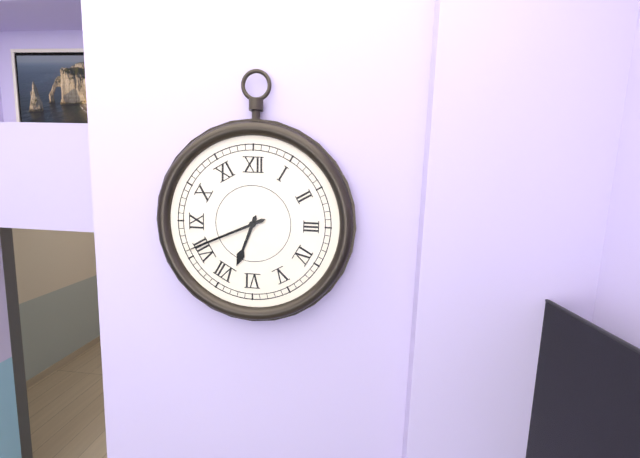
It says 6:41
